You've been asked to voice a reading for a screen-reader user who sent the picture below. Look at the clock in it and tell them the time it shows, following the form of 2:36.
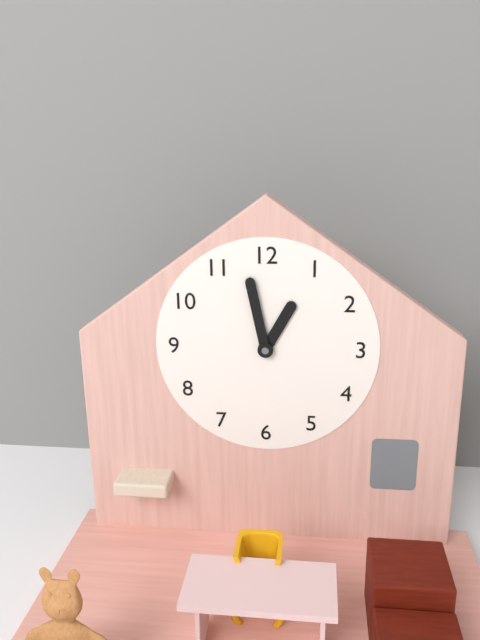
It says 12:58
